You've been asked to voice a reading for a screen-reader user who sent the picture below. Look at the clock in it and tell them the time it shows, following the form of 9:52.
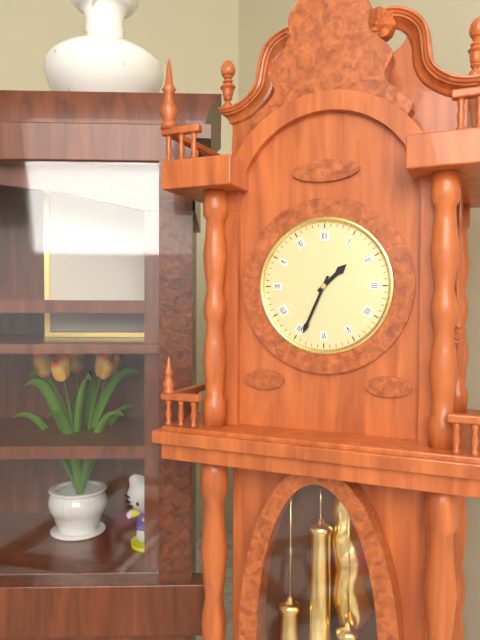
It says 1:34
